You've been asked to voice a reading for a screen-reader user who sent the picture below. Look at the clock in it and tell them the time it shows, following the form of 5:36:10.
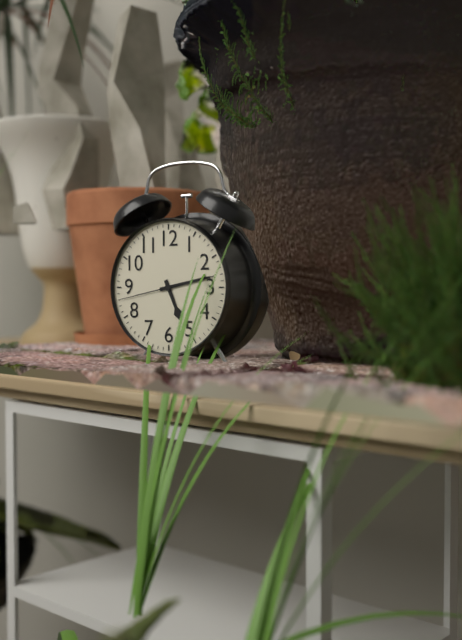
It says 5:13:43
